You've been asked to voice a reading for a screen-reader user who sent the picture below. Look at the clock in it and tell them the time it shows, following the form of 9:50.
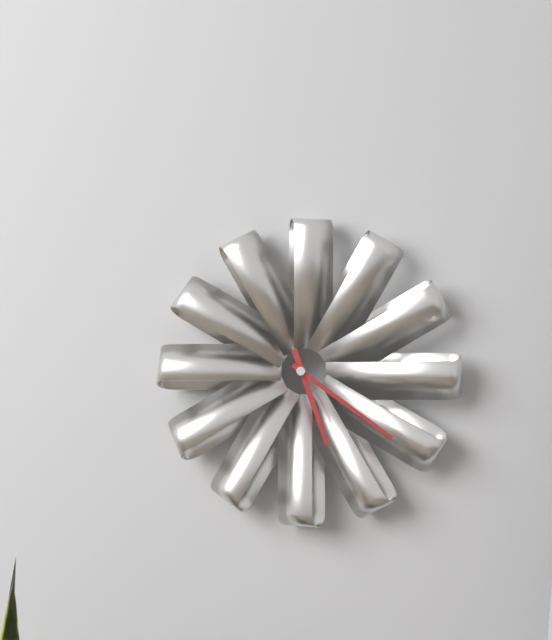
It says 5:21
